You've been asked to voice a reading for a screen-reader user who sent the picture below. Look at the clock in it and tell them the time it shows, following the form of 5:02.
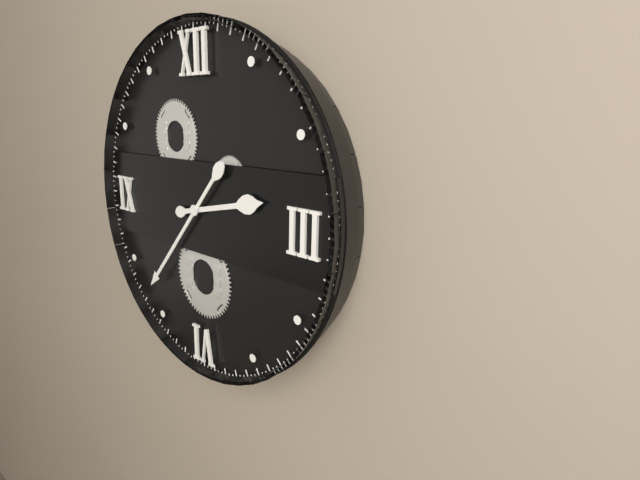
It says 2:37
